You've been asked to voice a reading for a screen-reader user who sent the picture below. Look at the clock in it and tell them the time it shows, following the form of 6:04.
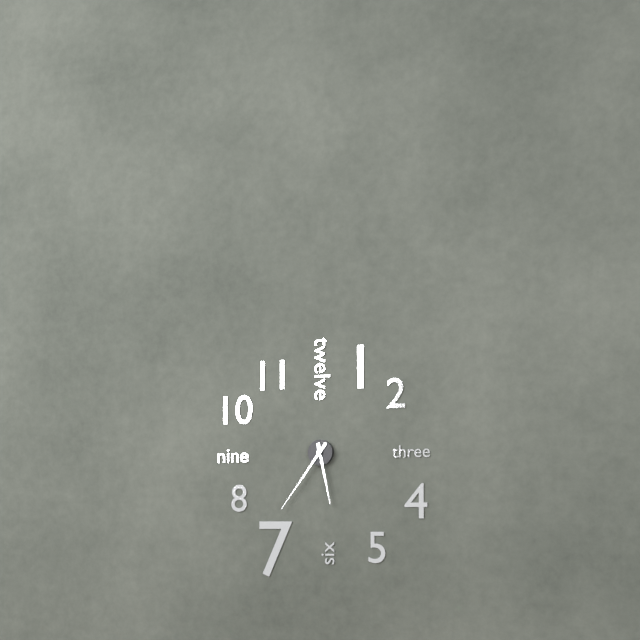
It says 5:36
